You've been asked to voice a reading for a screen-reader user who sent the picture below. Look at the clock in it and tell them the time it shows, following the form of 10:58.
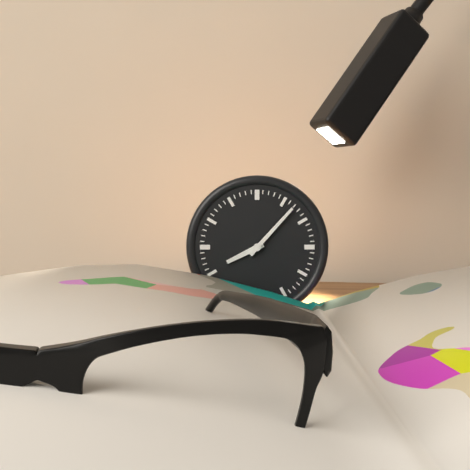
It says 8:07
